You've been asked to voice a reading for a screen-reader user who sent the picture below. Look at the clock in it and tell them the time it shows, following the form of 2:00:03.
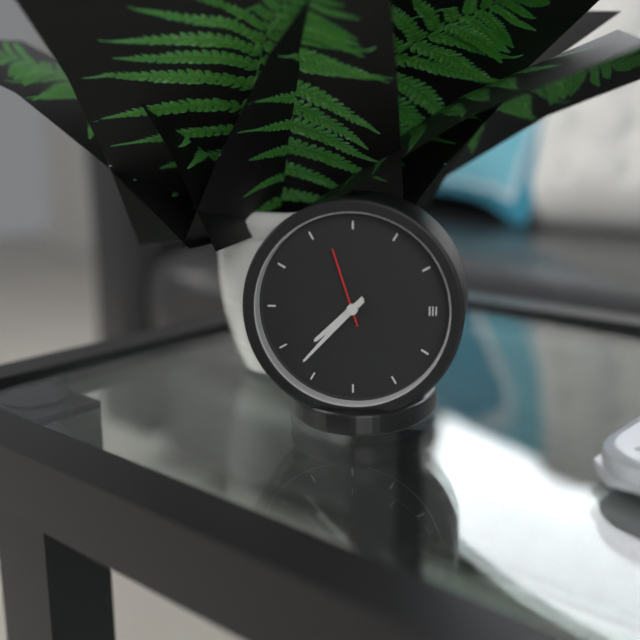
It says 7:37:57
